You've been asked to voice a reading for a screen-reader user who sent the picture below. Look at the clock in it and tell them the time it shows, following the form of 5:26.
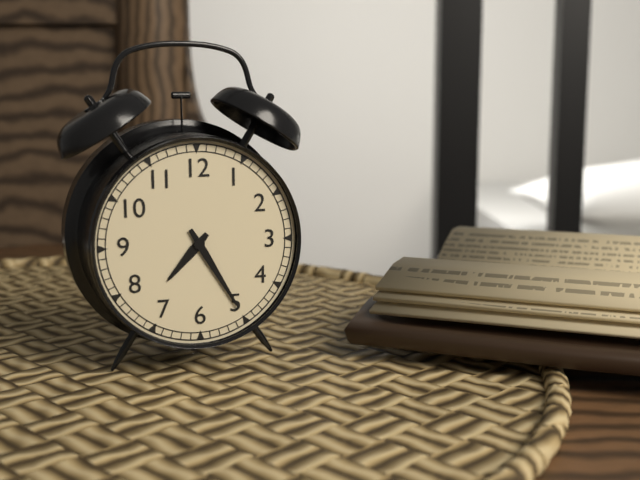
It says 7:25
